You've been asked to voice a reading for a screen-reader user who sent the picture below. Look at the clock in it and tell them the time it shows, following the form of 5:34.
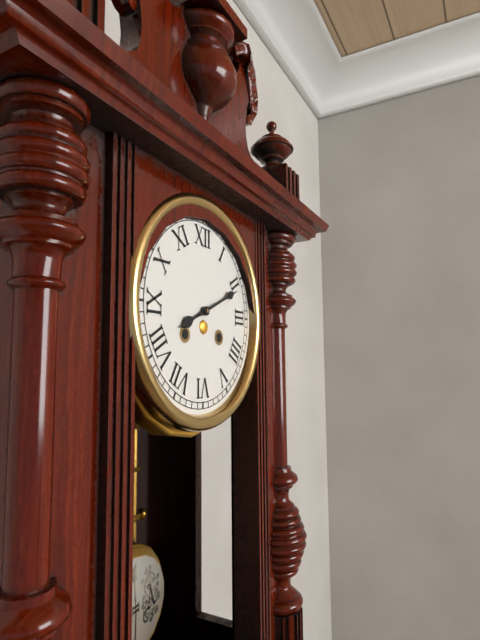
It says 8:11
